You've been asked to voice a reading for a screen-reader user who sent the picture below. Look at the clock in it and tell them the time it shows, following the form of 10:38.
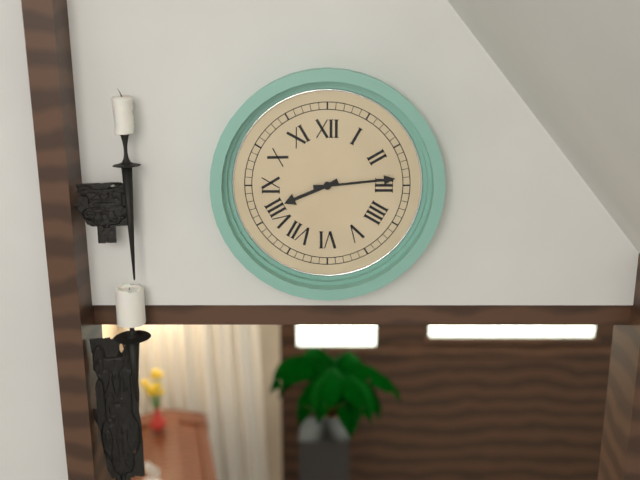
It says 8:14
